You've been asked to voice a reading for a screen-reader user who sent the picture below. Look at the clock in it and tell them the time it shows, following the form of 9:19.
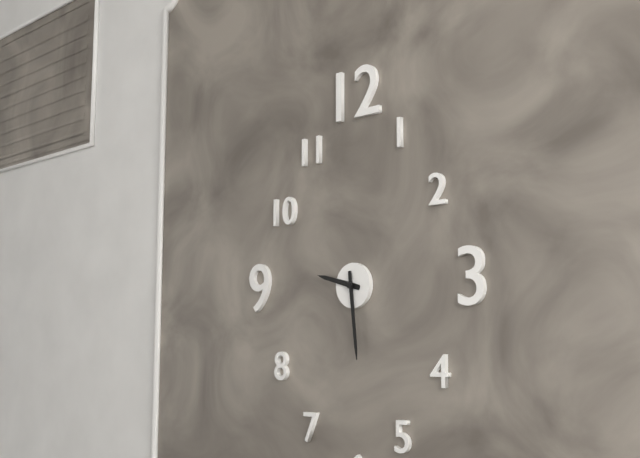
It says 9:29
